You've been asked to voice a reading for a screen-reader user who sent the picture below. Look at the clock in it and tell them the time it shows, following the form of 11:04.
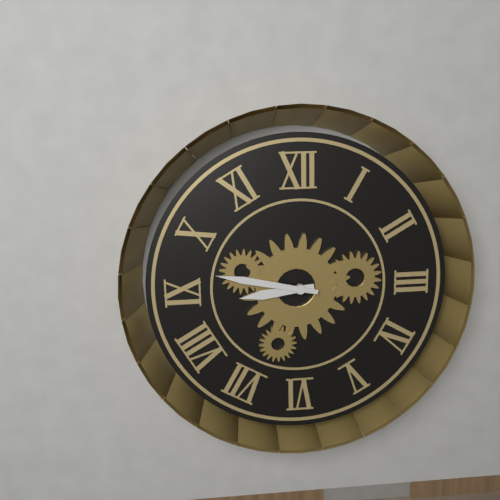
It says 8:47
